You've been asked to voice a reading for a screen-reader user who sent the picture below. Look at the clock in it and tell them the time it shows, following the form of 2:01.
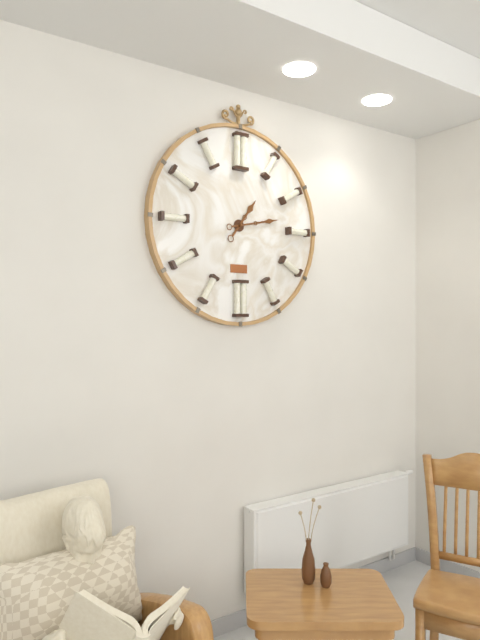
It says 1:13
